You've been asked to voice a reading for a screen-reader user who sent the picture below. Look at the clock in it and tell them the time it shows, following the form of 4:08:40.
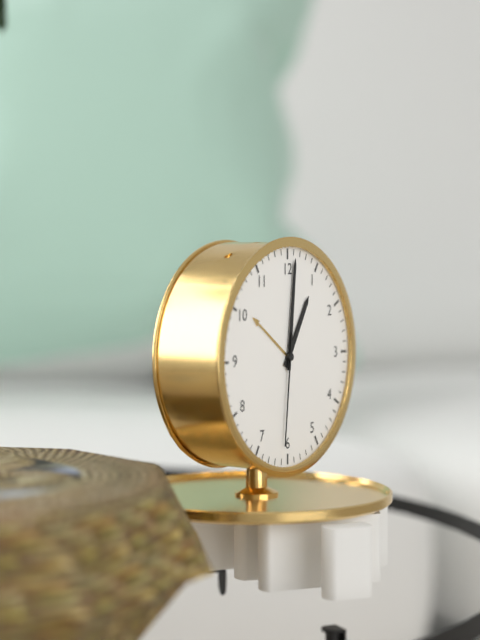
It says 1:01:31
